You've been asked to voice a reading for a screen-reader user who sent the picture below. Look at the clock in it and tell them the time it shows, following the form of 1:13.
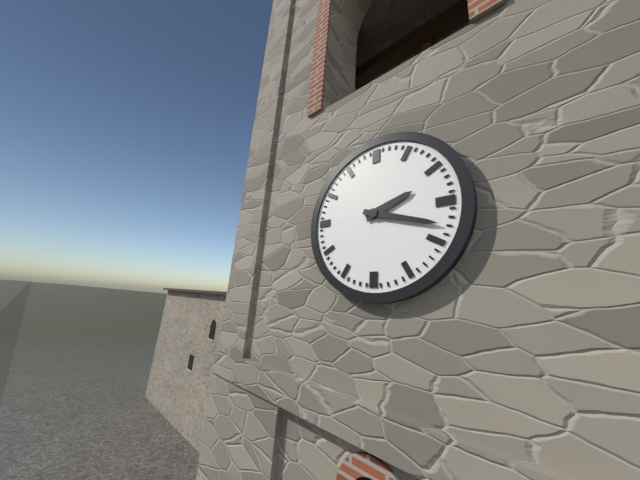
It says 2:18
